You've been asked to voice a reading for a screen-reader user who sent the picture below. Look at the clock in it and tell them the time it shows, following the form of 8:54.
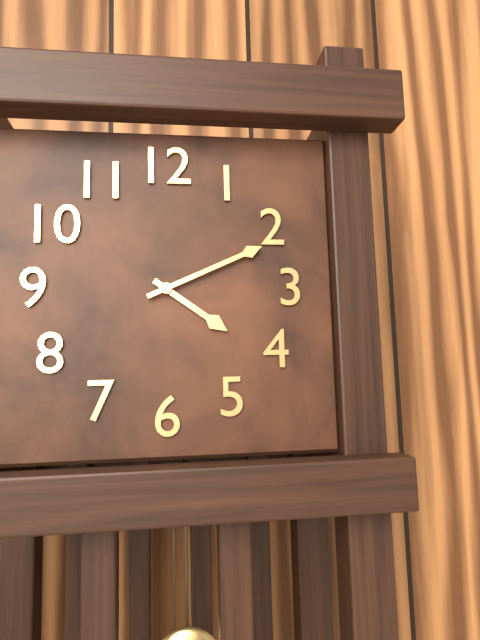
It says 4:11
